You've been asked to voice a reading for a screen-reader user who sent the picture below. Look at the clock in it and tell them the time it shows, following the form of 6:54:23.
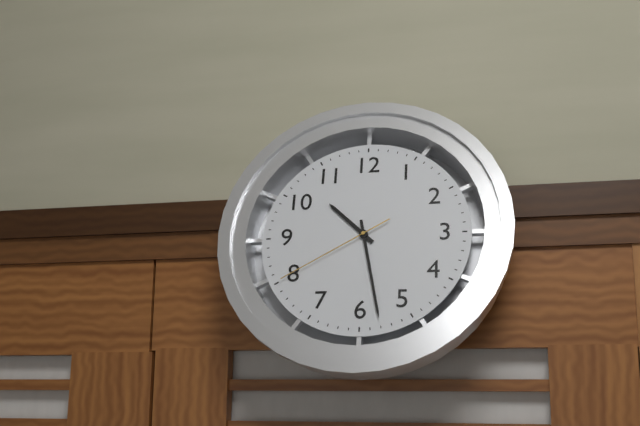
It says 10:28:40
